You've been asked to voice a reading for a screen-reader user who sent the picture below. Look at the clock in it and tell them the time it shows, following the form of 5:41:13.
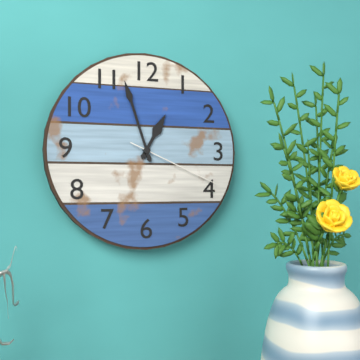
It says 12:57:19
